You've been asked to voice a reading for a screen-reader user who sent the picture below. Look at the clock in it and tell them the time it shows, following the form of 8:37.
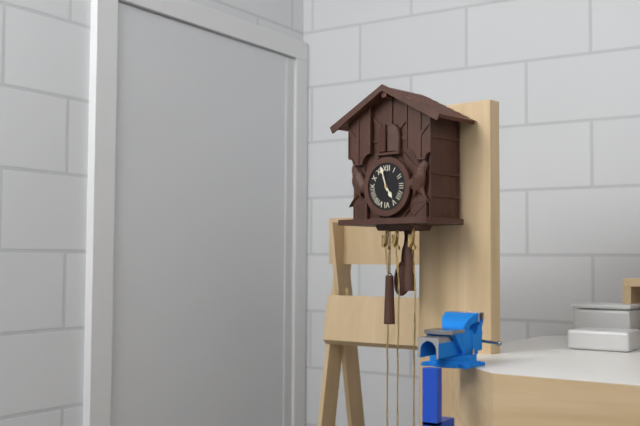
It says 4:57
